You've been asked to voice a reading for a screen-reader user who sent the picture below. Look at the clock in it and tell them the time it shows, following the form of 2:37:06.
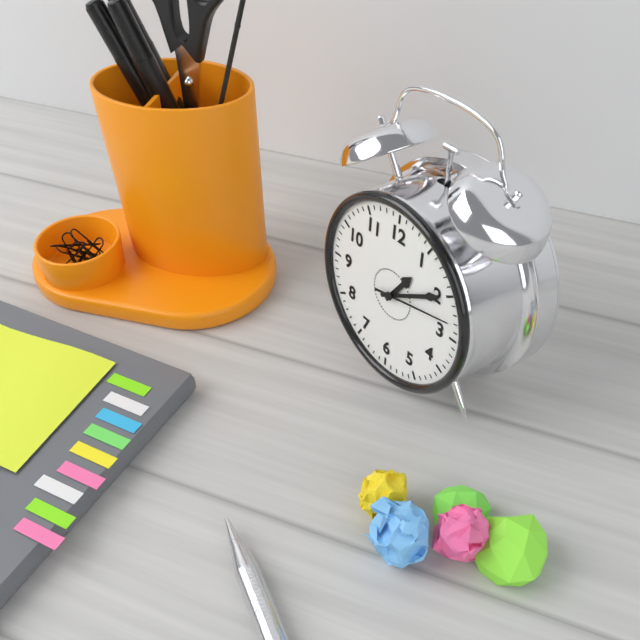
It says 1:10:13
